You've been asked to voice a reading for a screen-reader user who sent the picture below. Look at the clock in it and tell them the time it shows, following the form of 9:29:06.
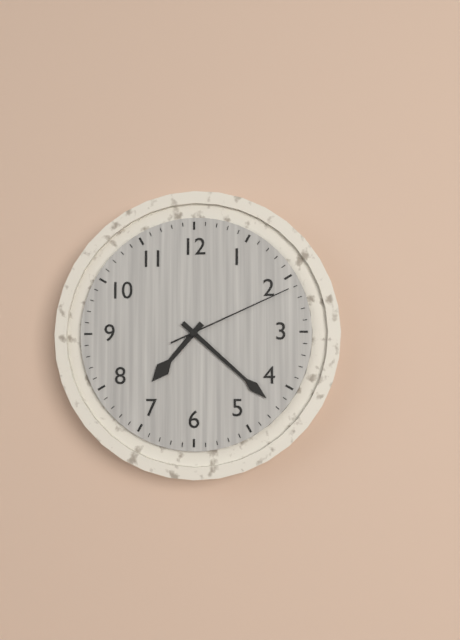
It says 7:22:11
